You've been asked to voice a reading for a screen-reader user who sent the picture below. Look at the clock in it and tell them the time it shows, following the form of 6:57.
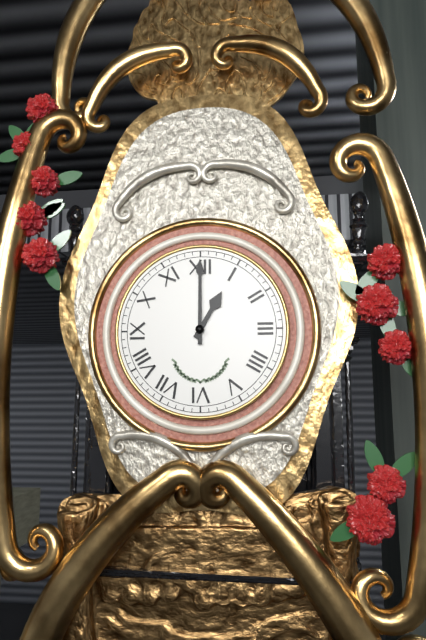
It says 1:00
